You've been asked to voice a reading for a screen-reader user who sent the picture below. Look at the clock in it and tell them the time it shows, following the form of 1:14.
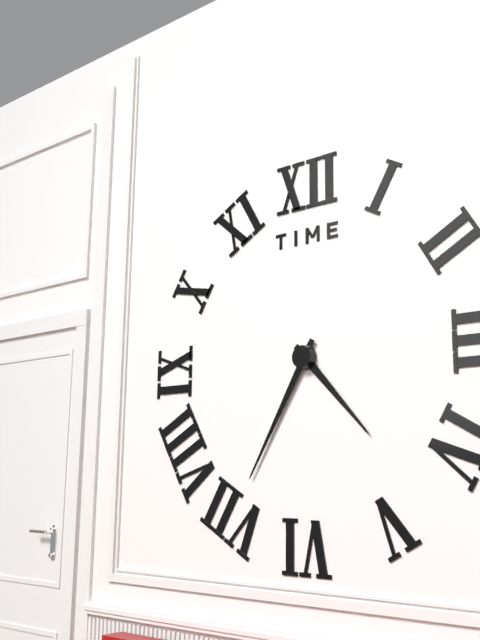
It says 4:35
